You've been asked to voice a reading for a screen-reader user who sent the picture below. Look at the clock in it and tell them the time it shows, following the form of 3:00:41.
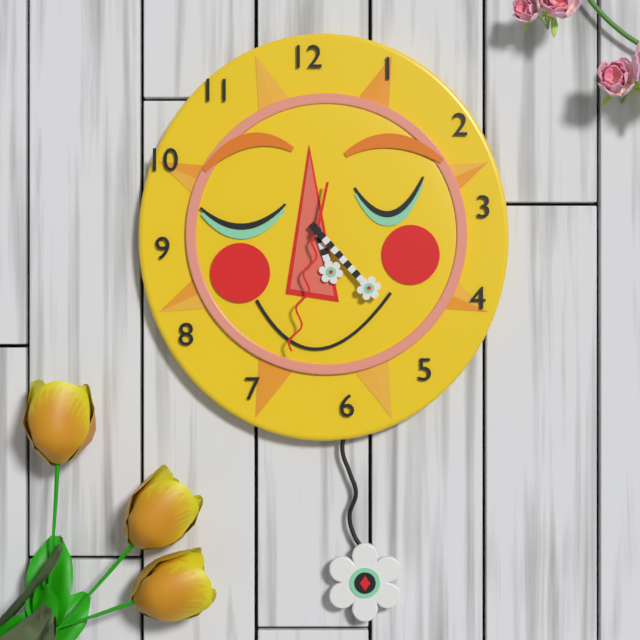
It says 5:23:32
